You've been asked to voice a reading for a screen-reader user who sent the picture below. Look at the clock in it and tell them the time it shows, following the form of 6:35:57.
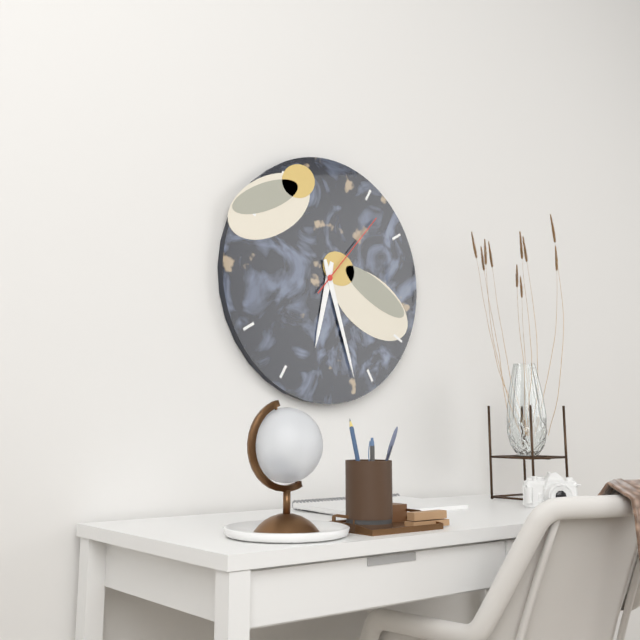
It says 6:27:07
